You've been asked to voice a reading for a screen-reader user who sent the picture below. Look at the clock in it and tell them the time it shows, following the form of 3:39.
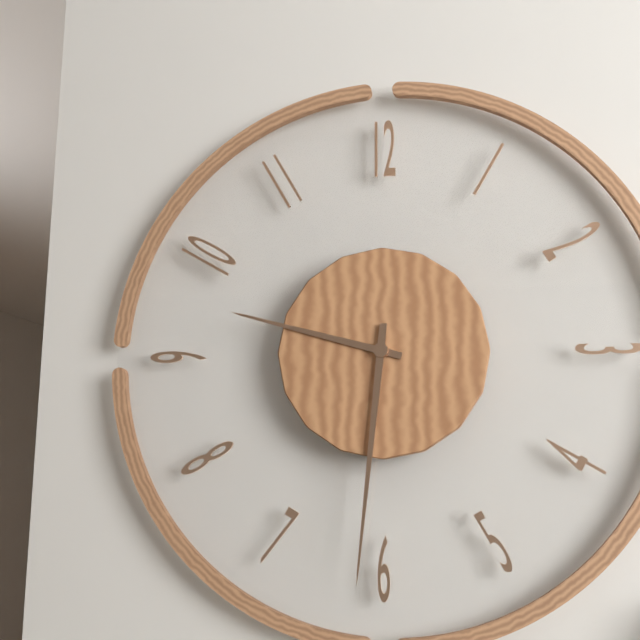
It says 9:31
